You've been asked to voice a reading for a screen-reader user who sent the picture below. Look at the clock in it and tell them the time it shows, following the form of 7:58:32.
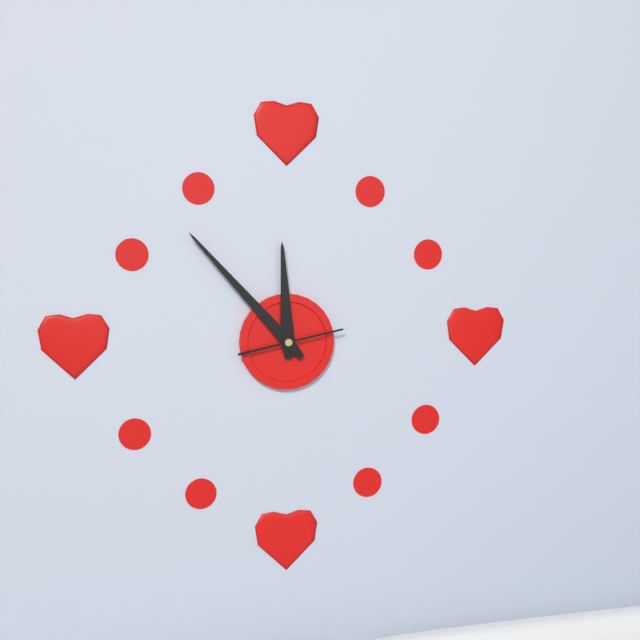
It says 11:53:13
